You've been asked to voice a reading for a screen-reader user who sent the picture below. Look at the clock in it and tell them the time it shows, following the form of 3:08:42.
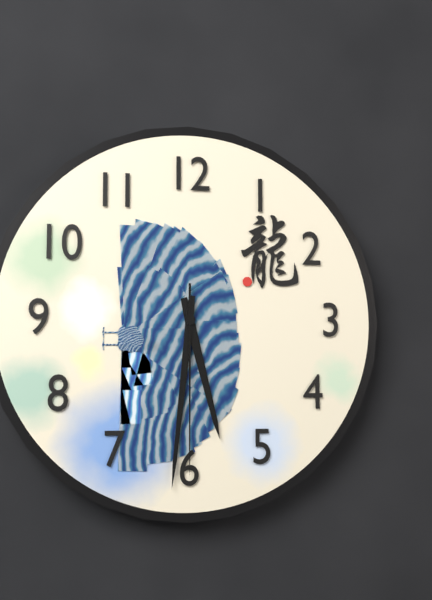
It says 5:31:30
